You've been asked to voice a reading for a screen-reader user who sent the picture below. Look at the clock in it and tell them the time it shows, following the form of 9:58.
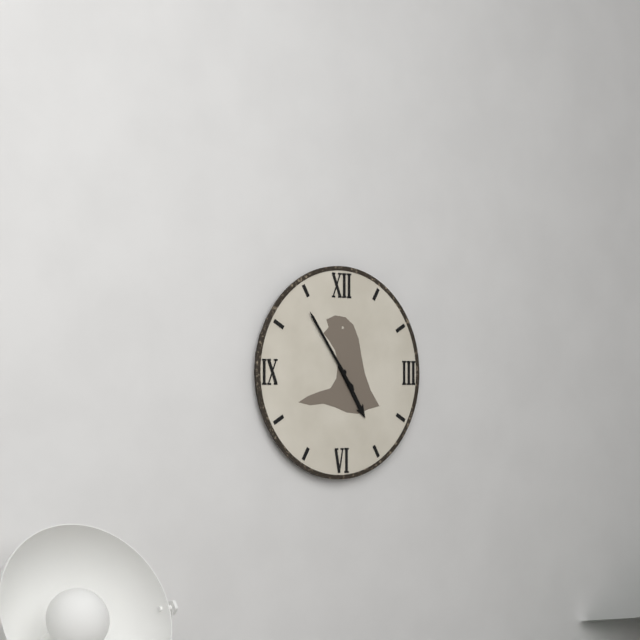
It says 4:54
